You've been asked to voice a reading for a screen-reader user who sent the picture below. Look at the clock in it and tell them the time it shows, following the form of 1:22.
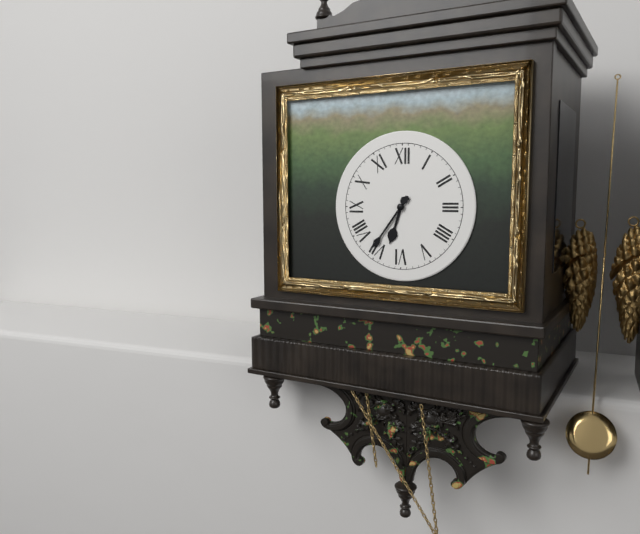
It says 6:36
